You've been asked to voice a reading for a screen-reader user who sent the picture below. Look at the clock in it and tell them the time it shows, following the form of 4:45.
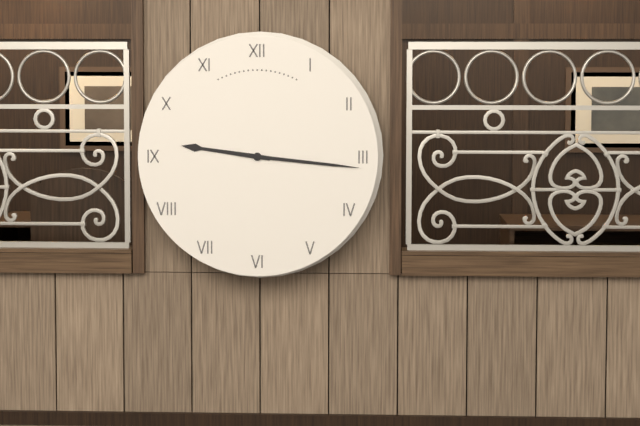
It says 9:16
